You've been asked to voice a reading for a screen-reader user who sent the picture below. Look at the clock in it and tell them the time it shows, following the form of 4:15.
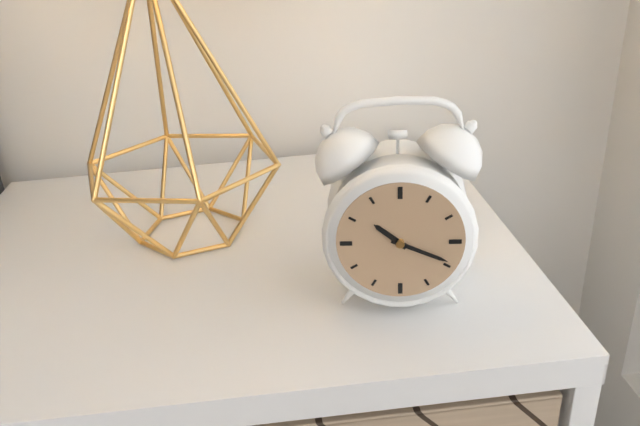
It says 10:19
